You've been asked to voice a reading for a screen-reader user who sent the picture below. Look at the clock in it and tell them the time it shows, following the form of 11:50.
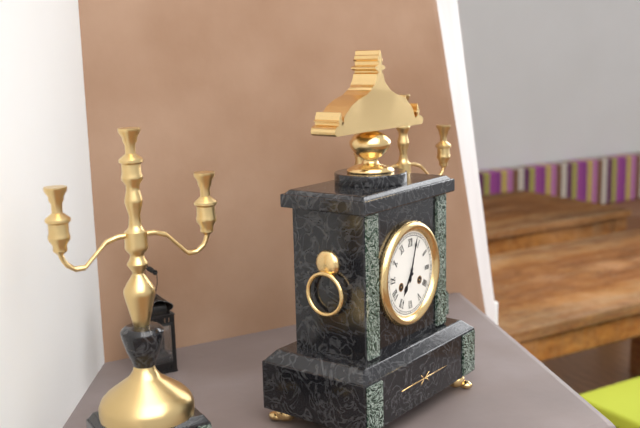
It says 7:03
